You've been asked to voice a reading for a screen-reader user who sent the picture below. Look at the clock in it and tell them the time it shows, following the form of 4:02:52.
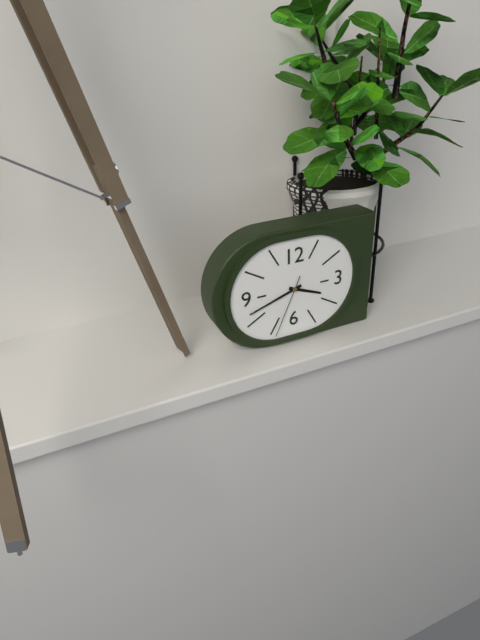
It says 3:42:34
